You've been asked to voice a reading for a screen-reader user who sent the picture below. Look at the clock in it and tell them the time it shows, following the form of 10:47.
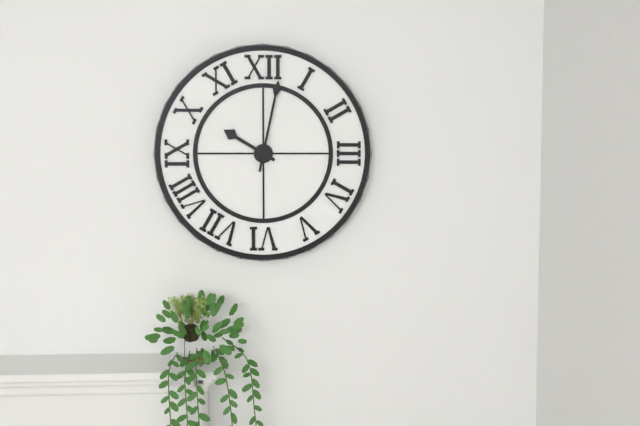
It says 10:02
